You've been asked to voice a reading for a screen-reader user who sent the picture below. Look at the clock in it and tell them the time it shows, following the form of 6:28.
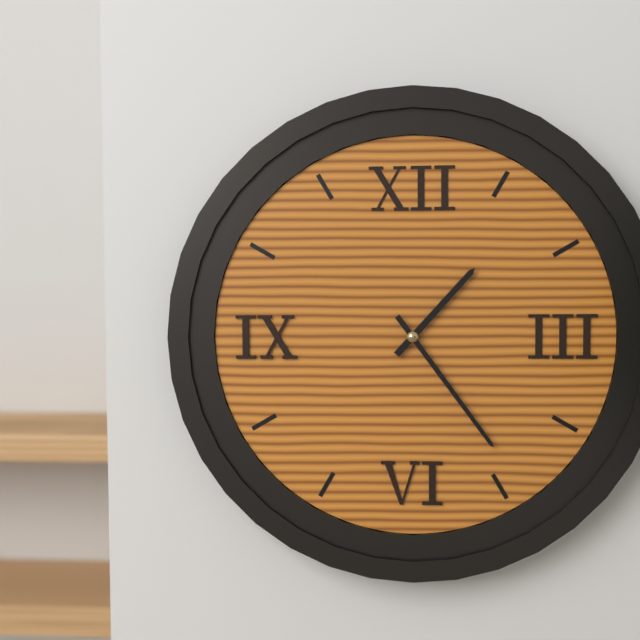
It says 1:24
